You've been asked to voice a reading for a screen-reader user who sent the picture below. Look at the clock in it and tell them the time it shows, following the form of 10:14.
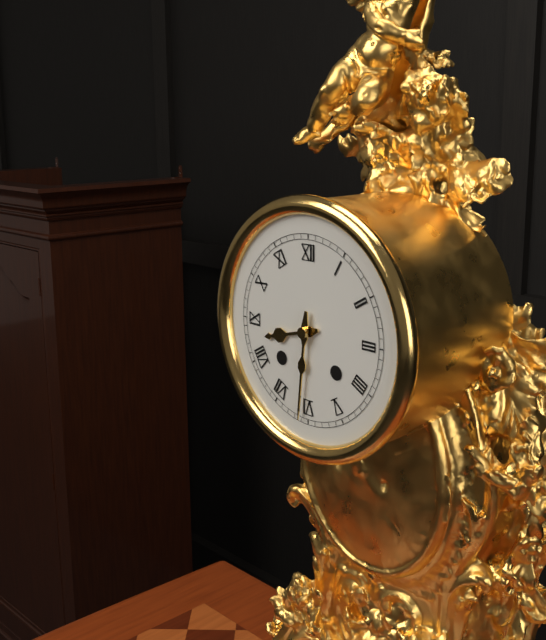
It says 8:31
